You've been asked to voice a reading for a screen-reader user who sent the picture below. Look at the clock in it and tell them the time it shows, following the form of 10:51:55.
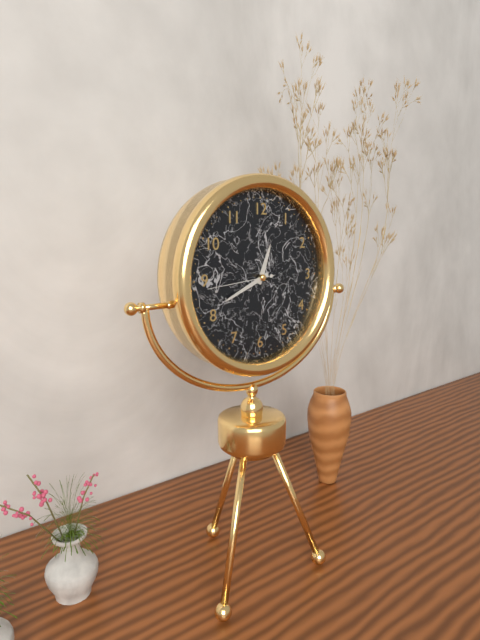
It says 12:41:44
